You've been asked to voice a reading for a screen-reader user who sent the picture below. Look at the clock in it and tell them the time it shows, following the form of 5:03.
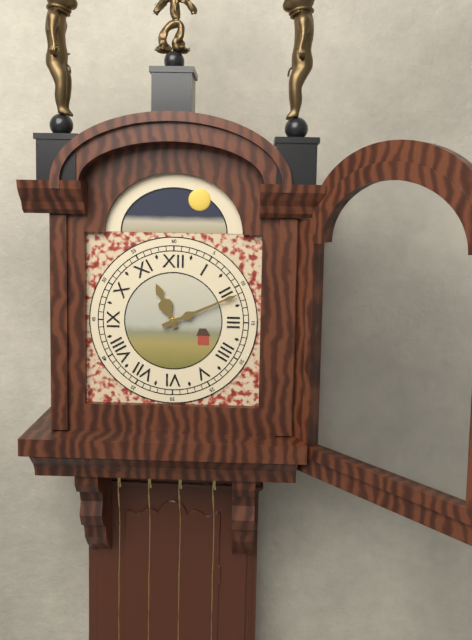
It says 11:11
